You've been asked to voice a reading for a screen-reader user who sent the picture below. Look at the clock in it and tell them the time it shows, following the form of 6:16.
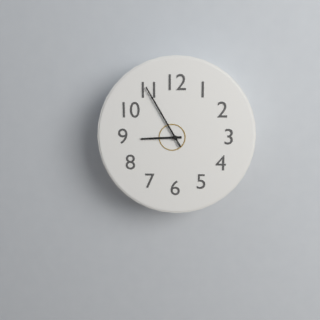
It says 8:55
